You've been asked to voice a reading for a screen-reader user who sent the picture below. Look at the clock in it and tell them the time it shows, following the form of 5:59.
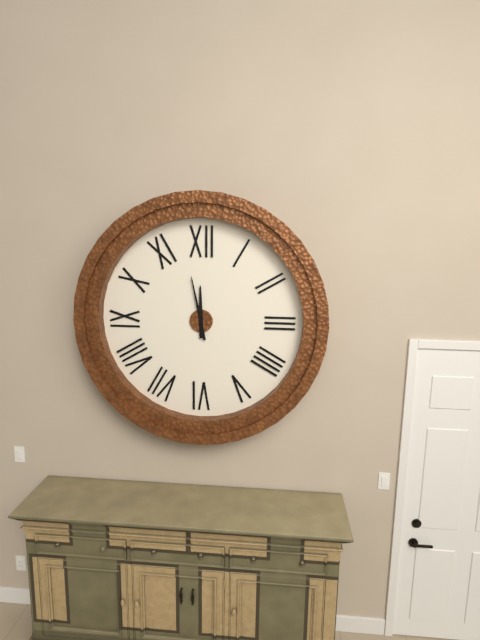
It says 11:58
